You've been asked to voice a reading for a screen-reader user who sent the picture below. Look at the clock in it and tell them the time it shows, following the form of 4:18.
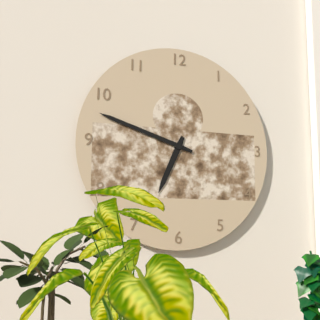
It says 6:48
